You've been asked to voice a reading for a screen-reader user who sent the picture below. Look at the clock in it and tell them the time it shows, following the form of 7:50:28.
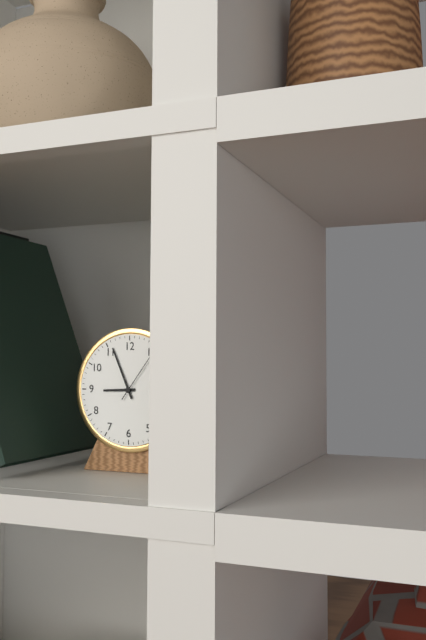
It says 8:56:06
